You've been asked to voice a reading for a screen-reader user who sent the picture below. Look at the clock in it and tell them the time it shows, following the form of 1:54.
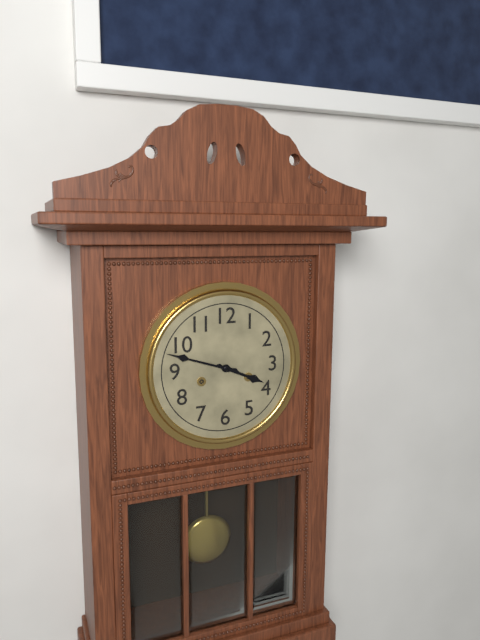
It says 3:48
